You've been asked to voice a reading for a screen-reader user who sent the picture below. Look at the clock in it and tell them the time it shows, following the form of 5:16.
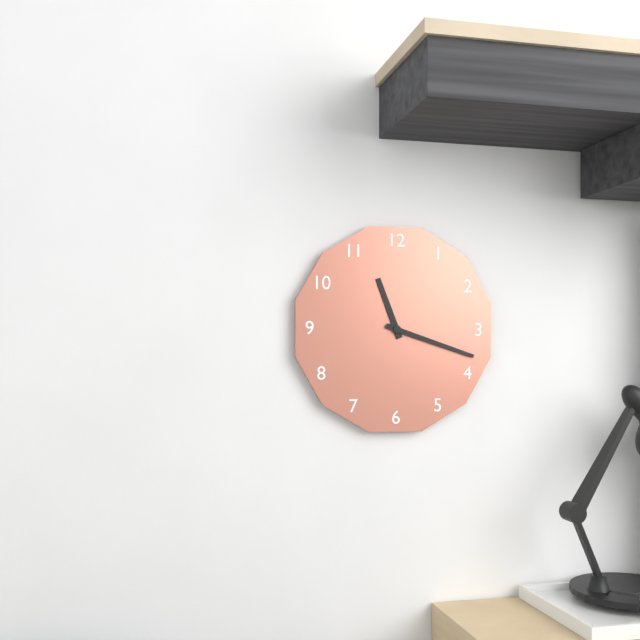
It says 11:18
